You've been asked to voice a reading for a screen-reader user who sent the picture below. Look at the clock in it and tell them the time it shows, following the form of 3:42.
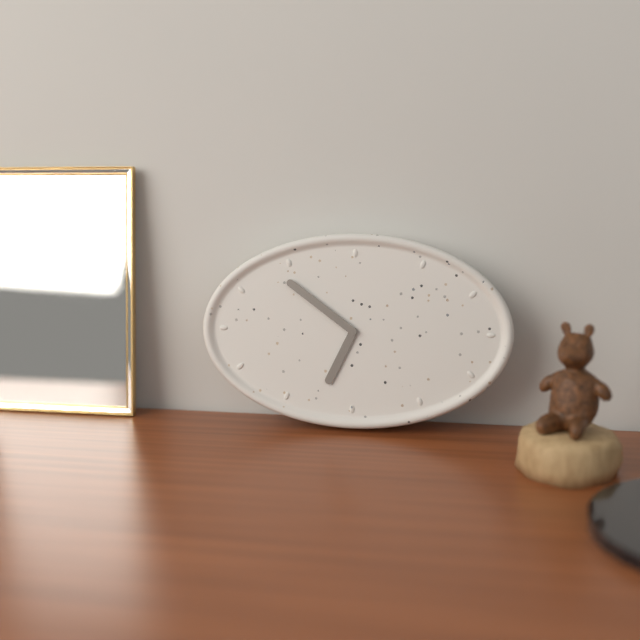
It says 6:51
